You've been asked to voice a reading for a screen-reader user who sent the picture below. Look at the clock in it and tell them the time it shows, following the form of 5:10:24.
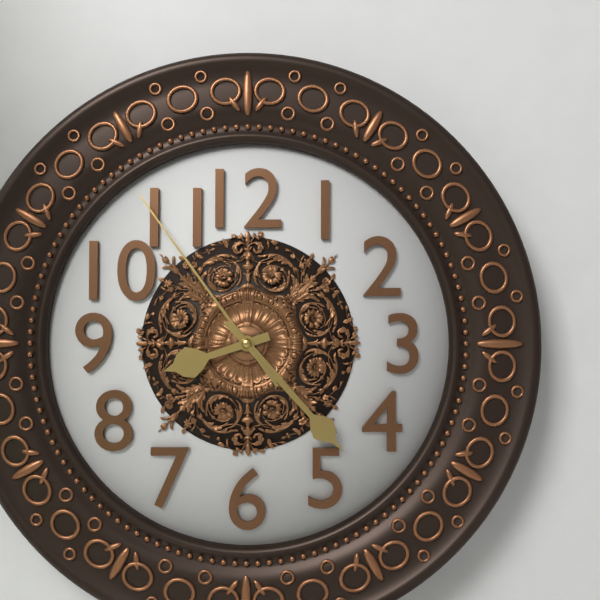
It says 8:23:54
